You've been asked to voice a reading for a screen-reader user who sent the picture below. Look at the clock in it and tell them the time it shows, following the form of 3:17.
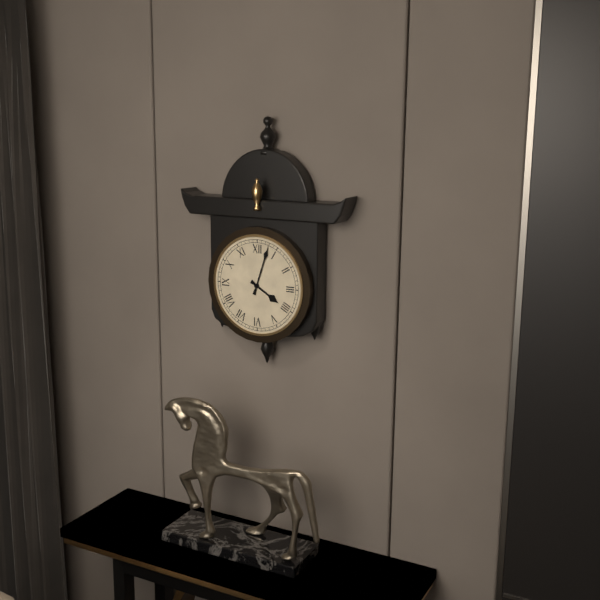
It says 4:03
